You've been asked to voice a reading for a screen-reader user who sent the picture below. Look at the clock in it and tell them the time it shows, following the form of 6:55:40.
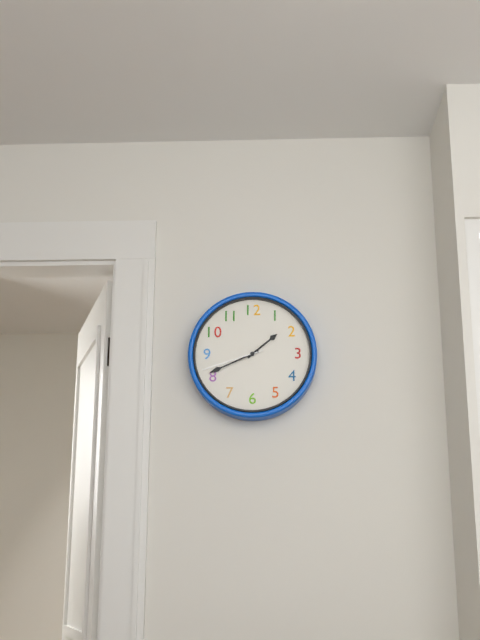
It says 1:41:42
